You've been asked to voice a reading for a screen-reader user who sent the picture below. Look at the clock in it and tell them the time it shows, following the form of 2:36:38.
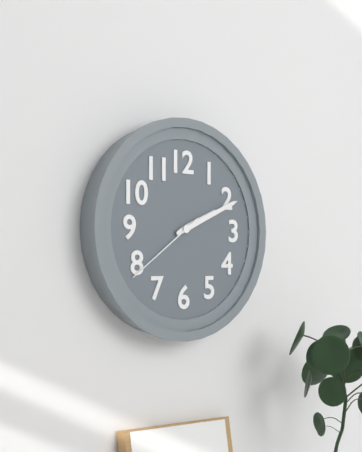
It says 2:11:39
